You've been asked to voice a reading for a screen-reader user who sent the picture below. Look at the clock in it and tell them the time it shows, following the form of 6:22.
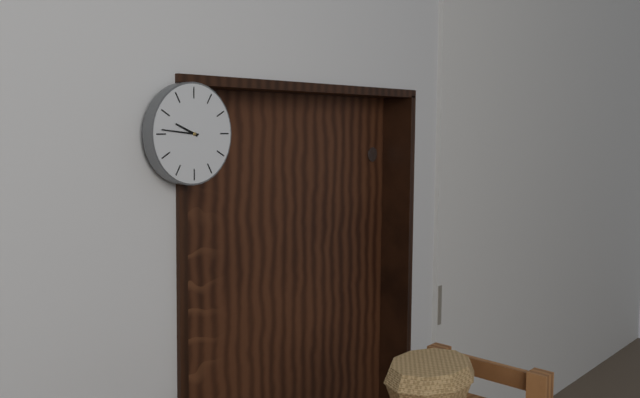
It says 9:46
